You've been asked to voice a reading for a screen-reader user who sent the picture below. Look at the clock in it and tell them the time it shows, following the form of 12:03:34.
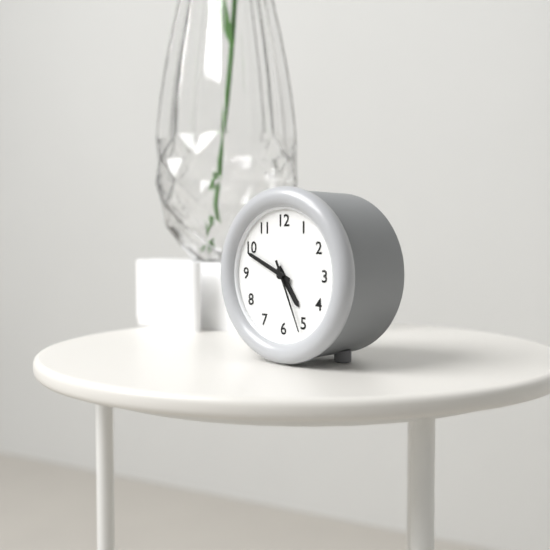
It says 4:49:26
